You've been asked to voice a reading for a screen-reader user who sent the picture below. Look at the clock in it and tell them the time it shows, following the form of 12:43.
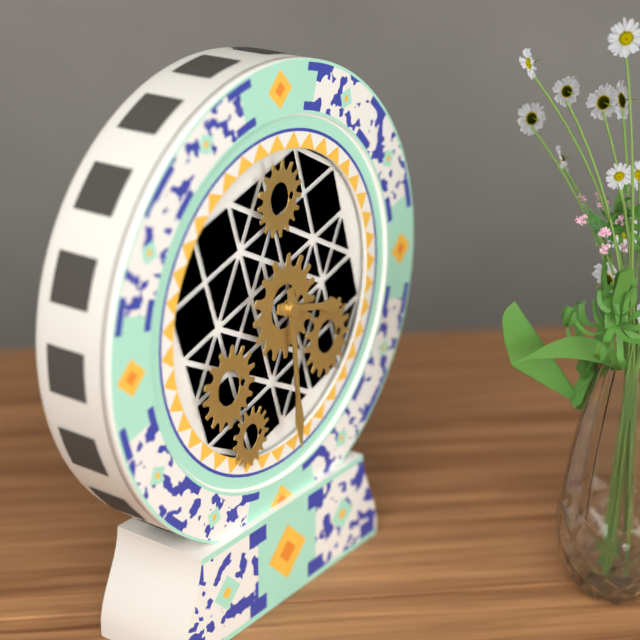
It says 3:29
